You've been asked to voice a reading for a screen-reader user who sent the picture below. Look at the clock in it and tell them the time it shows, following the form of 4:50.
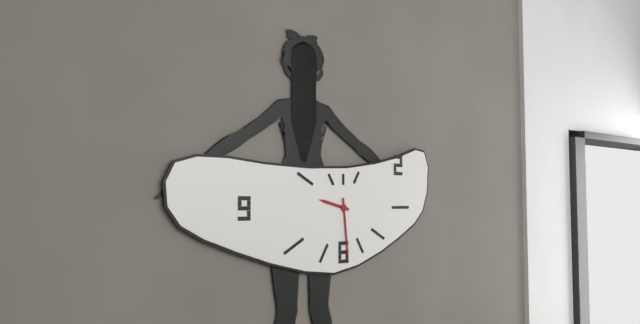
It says 9:29
